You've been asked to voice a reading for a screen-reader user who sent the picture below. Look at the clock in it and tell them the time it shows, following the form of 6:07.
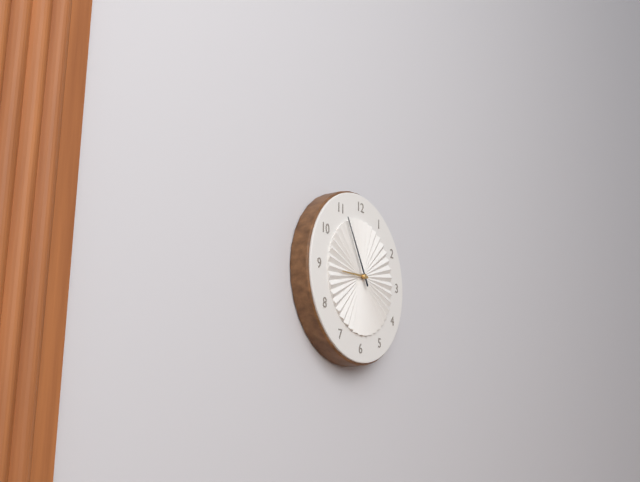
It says 8:55
